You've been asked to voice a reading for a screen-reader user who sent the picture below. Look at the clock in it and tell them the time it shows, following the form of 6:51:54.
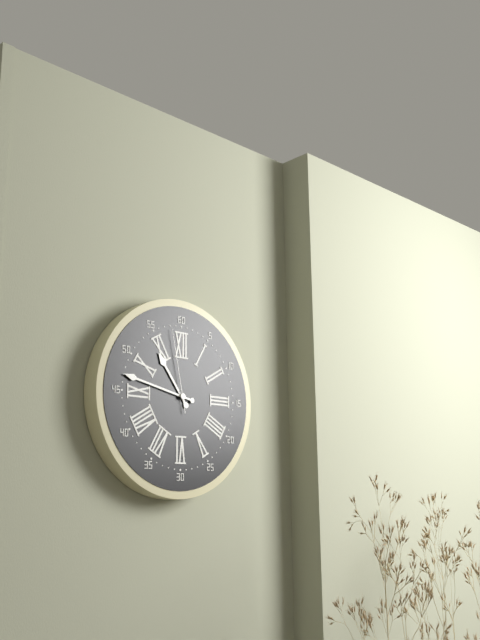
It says 10:47:58
